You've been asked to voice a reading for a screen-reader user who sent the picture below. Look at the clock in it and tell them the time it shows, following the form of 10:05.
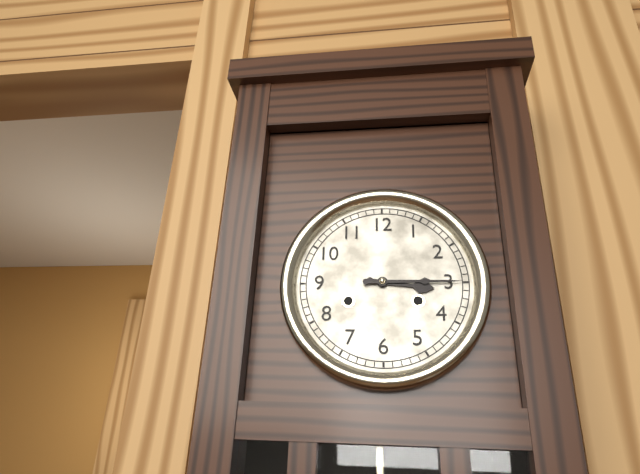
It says 3:15
